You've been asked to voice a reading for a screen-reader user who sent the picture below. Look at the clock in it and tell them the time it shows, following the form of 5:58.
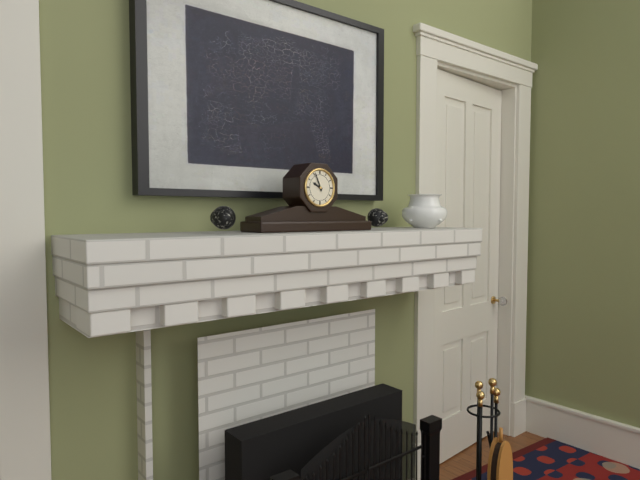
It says 9:56
